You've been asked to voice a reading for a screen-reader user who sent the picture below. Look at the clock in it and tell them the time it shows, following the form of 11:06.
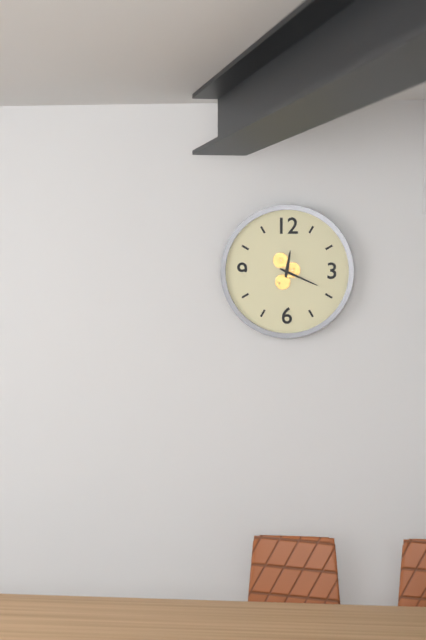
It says 12:19
